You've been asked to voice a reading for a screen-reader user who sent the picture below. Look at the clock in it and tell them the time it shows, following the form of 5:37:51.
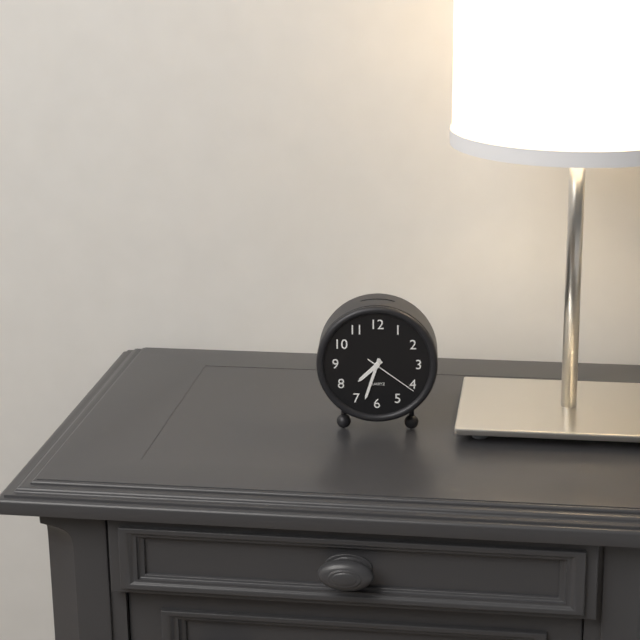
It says 7:33:21
